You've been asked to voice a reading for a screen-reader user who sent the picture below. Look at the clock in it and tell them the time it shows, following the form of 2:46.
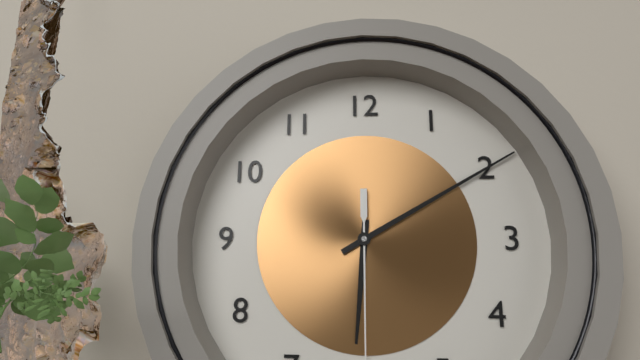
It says 6:10
